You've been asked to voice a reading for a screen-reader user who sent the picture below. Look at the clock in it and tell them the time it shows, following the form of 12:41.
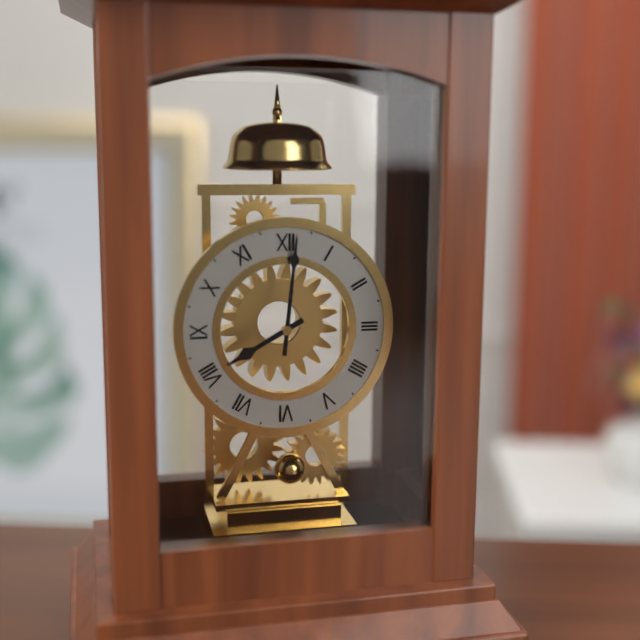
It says 8:01
